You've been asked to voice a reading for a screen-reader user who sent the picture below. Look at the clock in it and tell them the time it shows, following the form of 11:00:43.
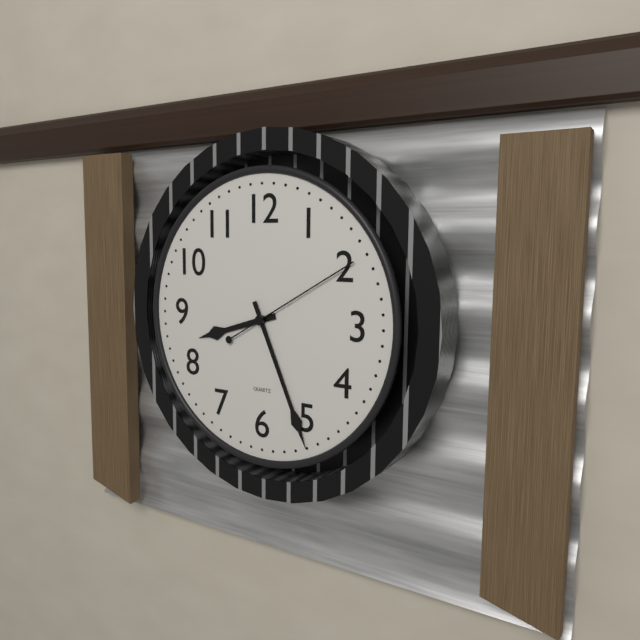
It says 8:26:10
